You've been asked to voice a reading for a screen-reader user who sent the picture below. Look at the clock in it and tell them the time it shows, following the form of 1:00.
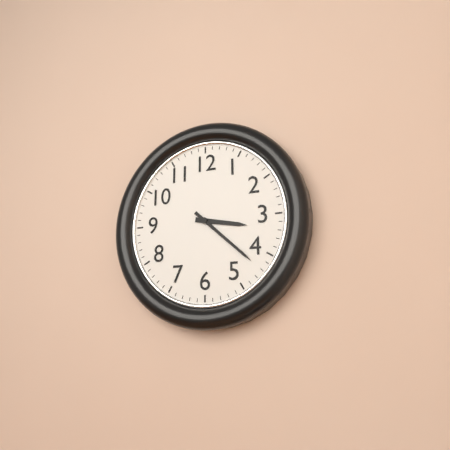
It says 3:22
